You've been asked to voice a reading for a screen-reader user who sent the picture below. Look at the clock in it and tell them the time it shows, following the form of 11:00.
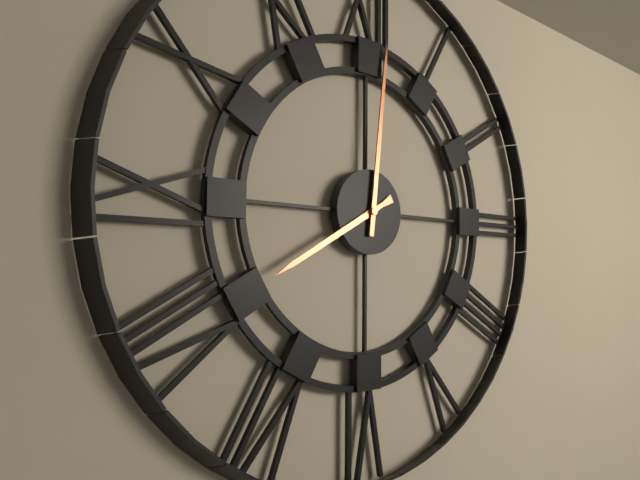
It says 8:01
